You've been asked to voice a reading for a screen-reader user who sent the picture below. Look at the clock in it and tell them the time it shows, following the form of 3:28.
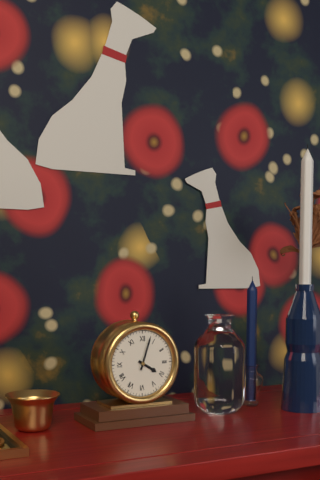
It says 4:03
